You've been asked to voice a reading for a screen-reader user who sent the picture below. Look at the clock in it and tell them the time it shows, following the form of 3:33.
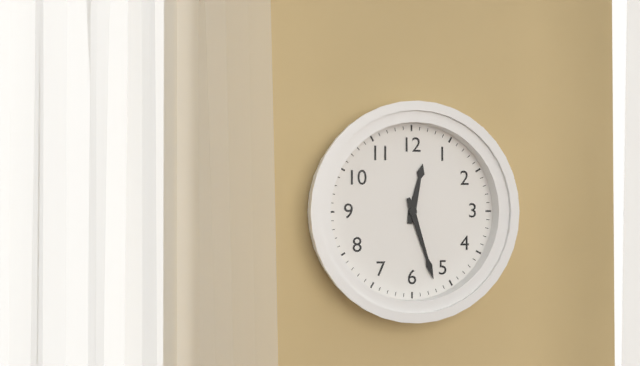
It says 12:27
